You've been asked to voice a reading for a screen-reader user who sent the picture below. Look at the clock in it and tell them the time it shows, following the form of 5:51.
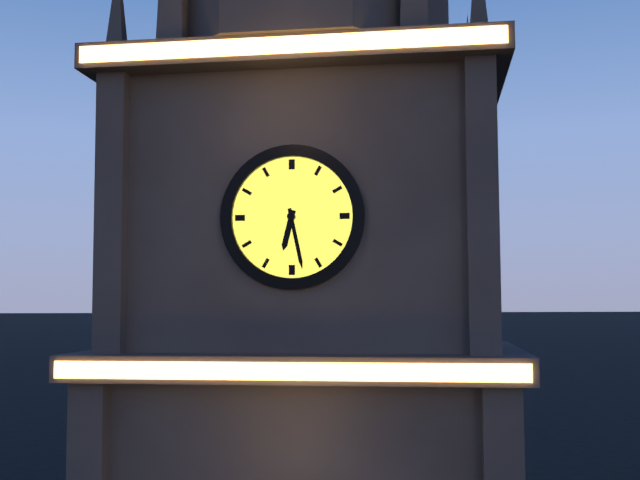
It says 6:28
